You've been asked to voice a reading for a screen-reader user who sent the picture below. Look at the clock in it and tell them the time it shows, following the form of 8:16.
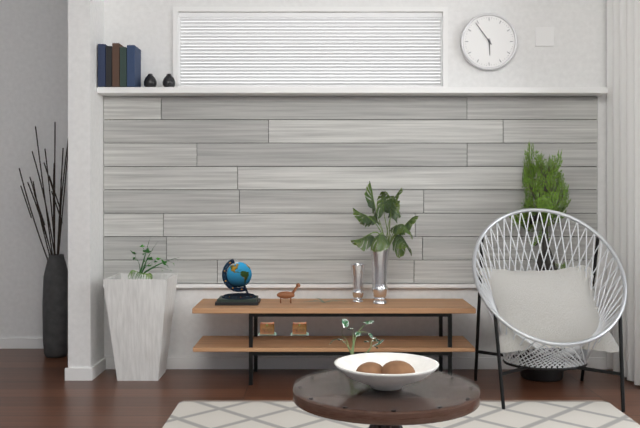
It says 5:54
